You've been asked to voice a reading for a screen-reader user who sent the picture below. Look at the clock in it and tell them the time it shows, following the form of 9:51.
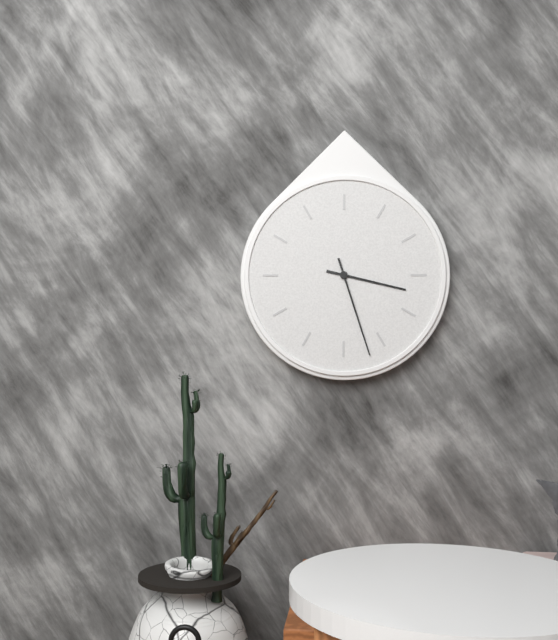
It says 3:27
